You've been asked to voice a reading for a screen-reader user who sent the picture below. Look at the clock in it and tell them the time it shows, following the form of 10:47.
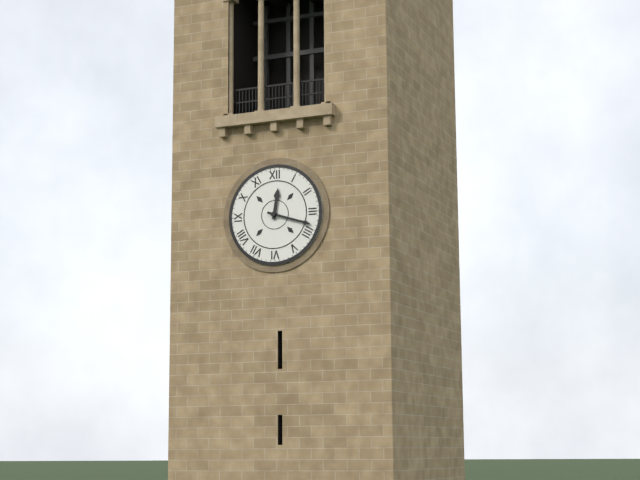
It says 12:18
